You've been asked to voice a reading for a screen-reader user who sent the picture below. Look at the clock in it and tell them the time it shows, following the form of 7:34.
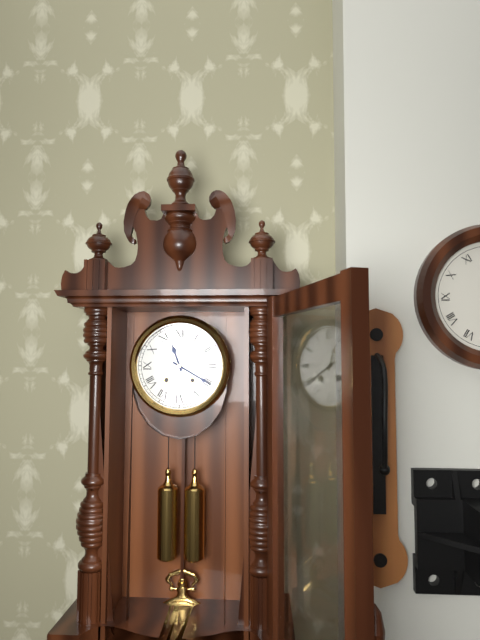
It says 11:20
